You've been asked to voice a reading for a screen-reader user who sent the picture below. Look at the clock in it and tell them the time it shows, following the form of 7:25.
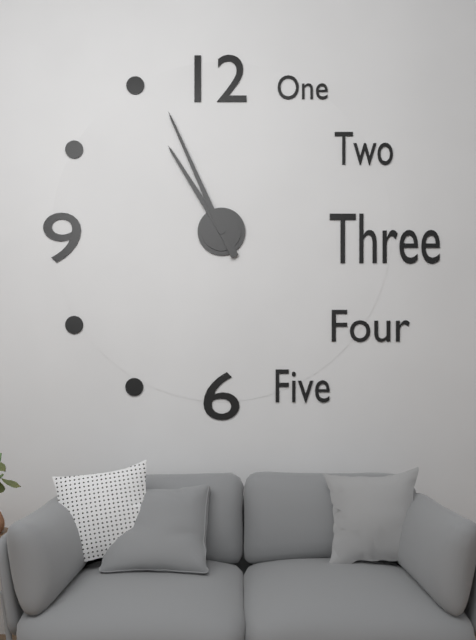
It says 10:56
